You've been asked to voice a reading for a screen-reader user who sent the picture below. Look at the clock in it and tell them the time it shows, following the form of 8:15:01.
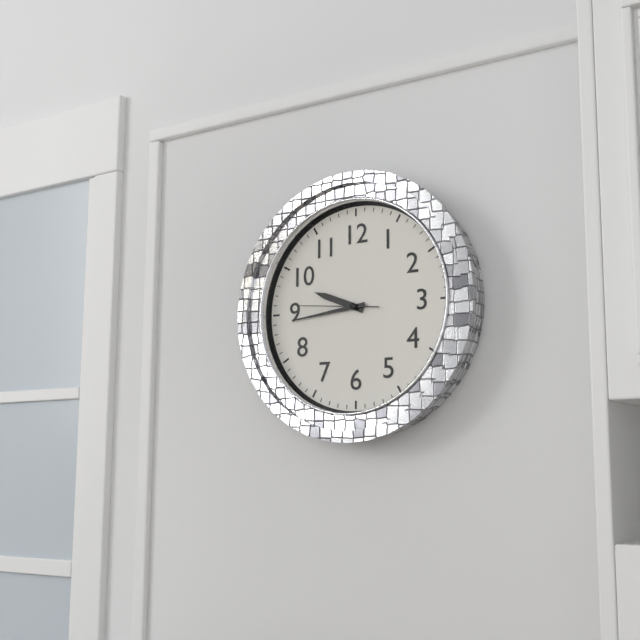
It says 9:44:46
